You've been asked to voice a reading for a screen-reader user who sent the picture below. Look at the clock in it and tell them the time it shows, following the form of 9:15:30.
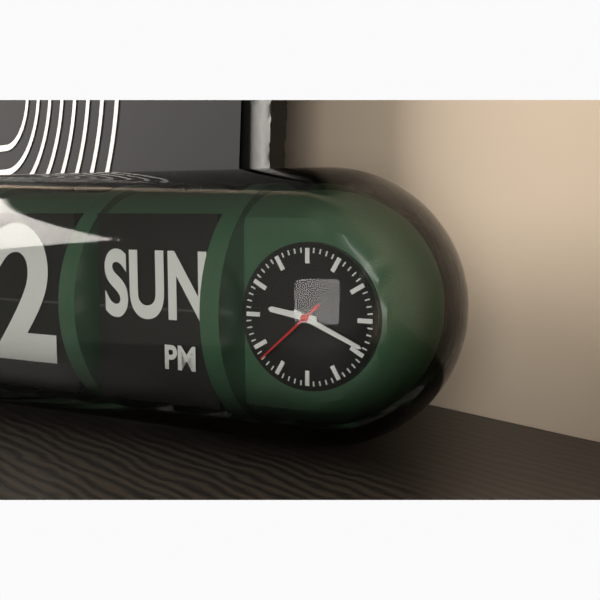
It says 9:19:38
